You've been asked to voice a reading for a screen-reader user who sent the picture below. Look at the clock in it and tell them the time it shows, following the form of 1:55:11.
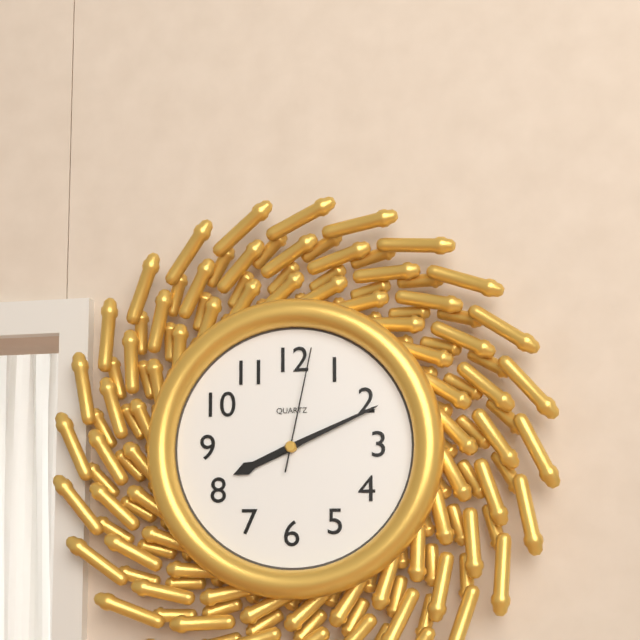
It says 8:11:02
